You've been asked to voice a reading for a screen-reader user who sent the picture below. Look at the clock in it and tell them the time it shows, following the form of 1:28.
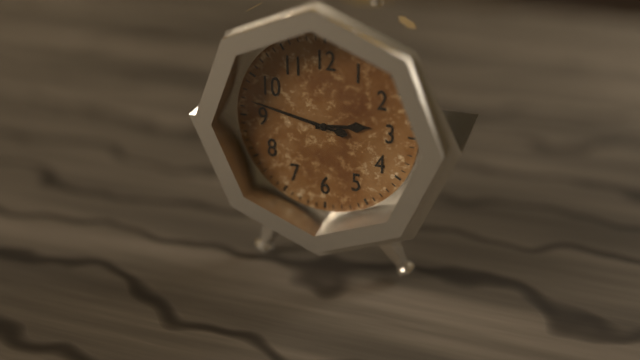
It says 2:47
